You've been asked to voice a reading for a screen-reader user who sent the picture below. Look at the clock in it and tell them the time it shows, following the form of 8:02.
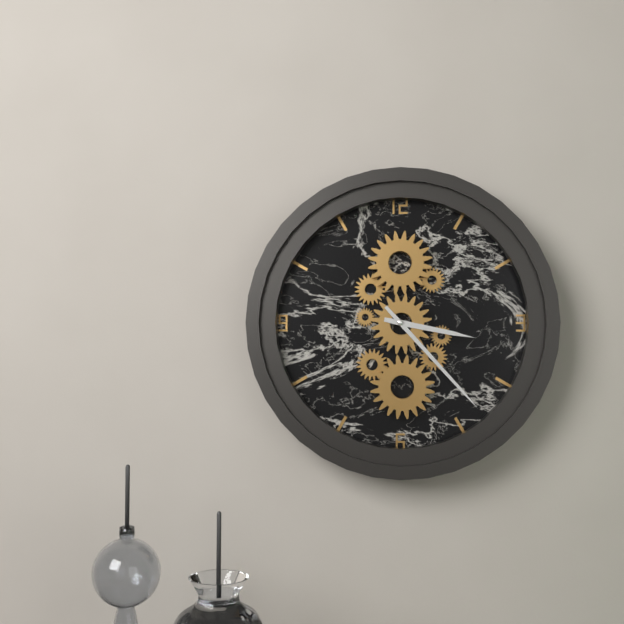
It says 3:23
